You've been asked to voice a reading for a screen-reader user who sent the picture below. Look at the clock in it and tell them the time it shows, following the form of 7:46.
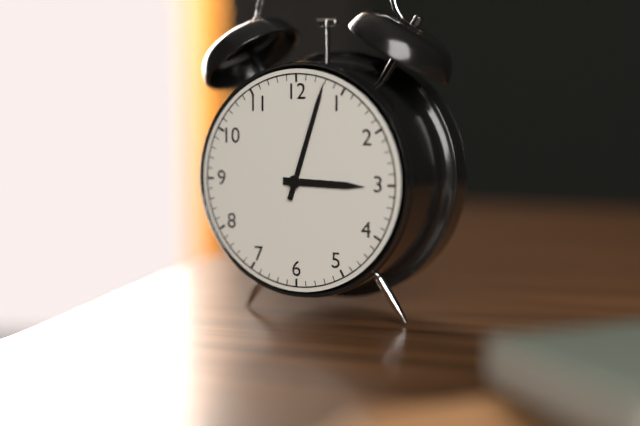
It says 3:03
